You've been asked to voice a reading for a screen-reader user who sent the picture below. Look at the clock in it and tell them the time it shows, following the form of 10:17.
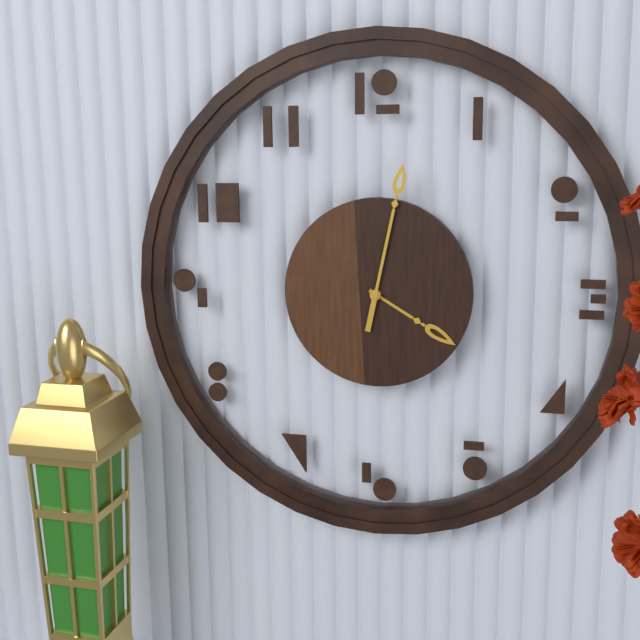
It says 4:02
